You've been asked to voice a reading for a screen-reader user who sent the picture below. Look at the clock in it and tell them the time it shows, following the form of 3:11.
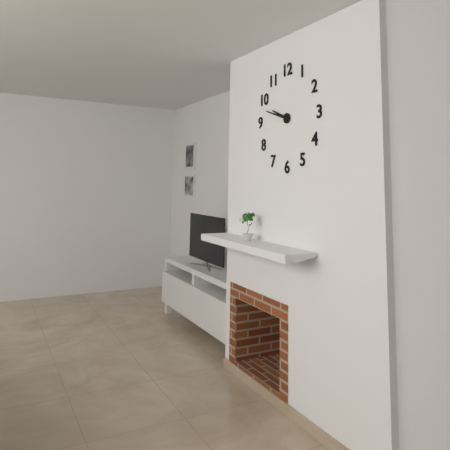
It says 9:48
